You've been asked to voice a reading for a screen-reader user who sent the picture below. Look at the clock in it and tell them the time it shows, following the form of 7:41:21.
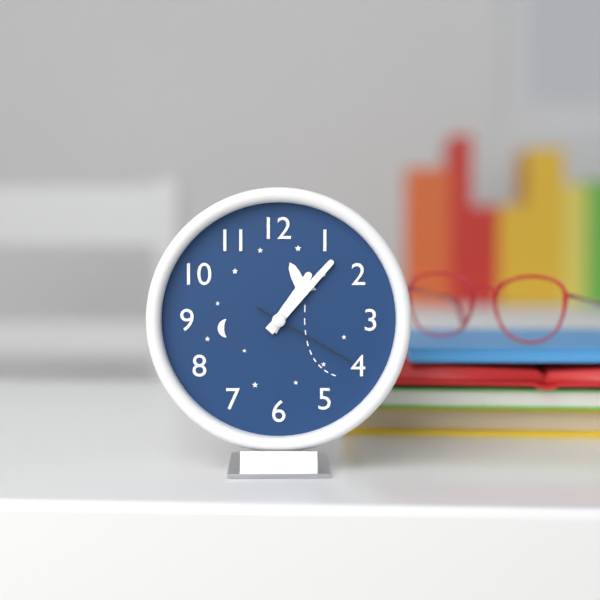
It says 1:07:20
